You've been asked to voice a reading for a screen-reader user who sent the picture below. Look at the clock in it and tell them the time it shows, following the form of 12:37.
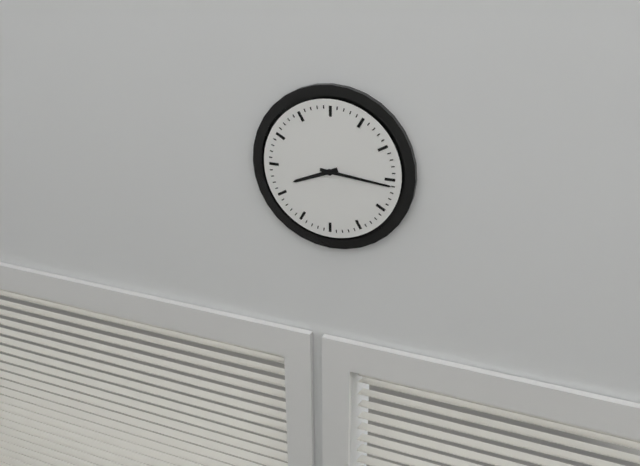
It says 8:16
